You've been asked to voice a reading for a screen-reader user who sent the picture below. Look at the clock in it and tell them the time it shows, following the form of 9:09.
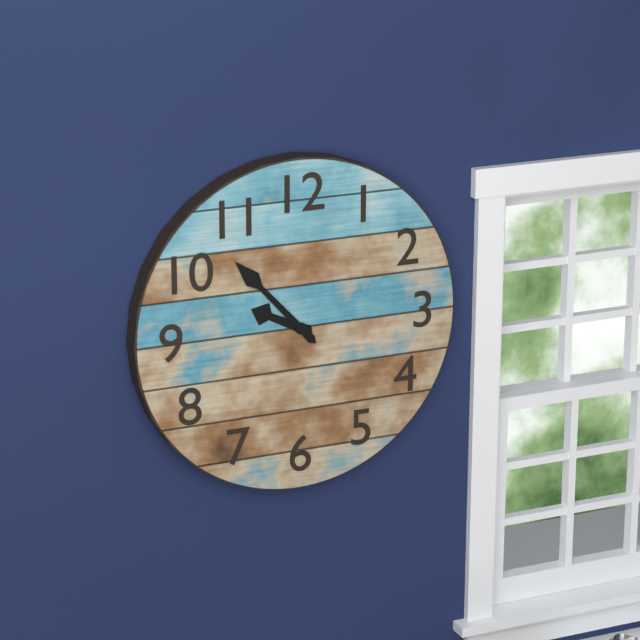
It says 9:53
